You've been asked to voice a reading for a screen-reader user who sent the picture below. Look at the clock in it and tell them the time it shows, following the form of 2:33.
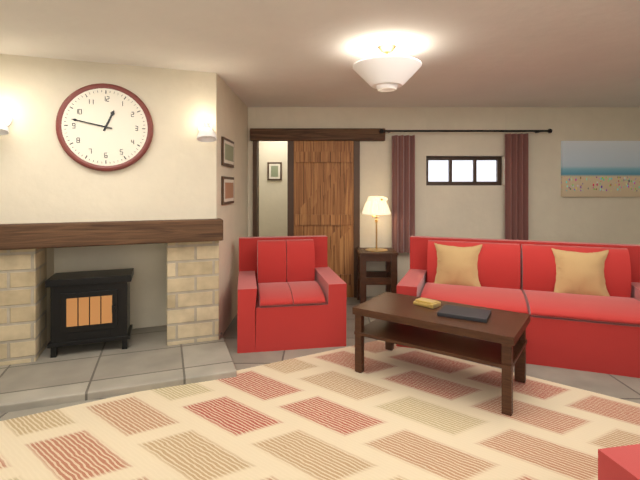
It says 12:47
